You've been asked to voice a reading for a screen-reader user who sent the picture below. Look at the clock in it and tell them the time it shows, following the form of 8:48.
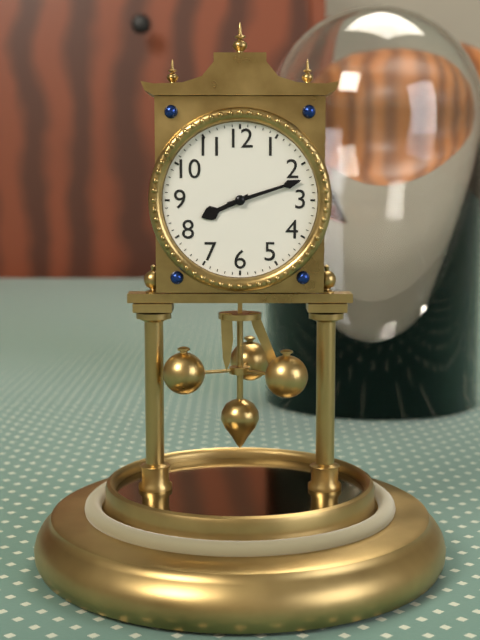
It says 8:12
